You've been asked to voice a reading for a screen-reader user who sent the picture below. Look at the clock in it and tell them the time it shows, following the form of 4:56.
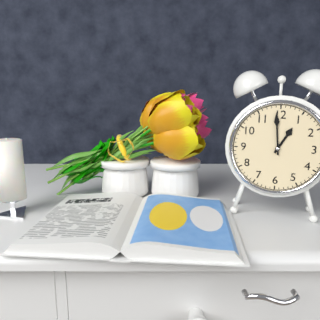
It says 12:59
